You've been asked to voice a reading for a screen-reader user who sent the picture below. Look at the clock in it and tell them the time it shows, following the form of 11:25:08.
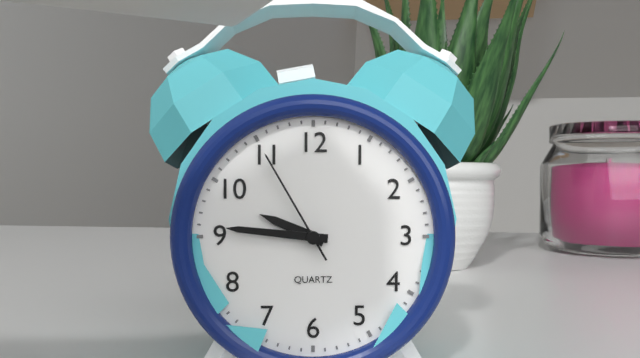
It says 9:46:55
